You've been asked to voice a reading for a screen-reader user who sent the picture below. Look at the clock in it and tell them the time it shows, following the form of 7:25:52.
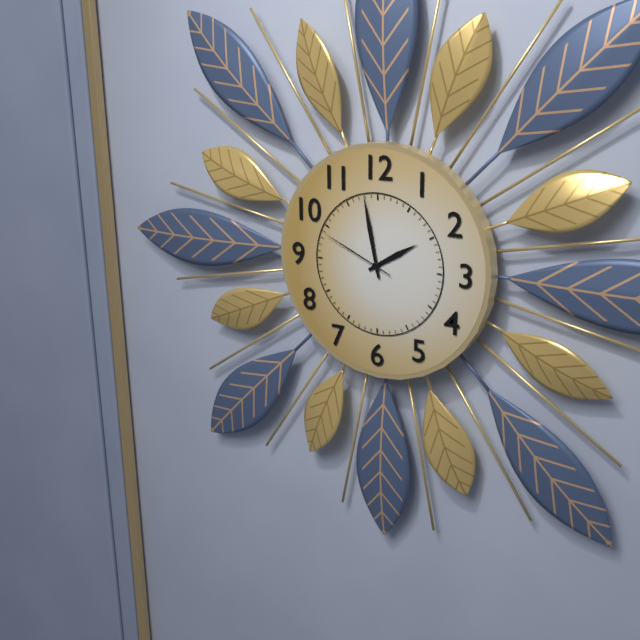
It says 1:58:49
